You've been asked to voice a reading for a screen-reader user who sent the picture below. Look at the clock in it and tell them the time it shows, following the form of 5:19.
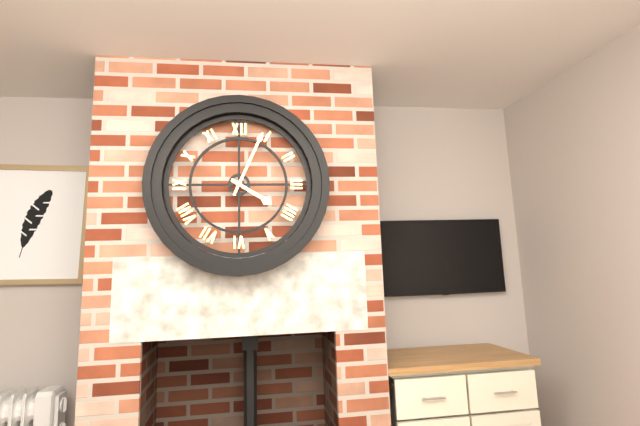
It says 4:04
